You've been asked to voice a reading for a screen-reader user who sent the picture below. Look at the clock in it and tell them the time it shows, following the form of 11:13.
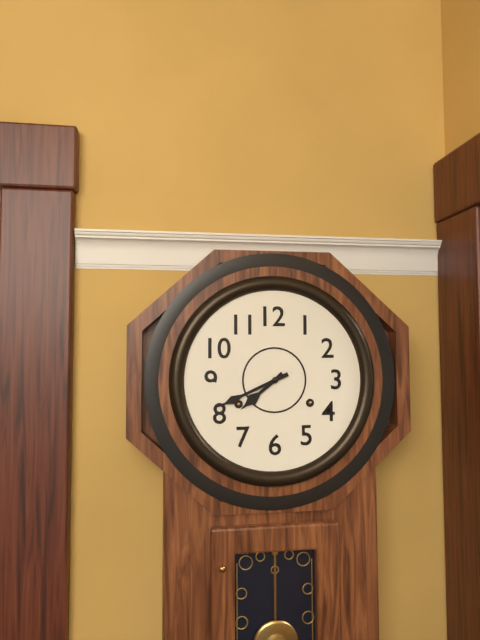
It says 7:41
